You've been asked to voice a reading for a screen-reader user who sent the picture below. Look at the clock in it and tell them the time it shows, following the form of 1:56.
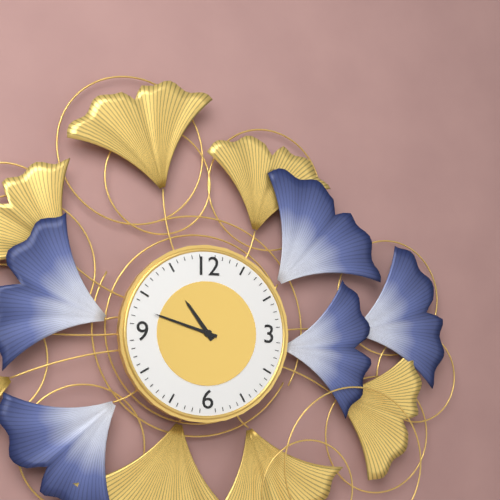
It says 10:48
